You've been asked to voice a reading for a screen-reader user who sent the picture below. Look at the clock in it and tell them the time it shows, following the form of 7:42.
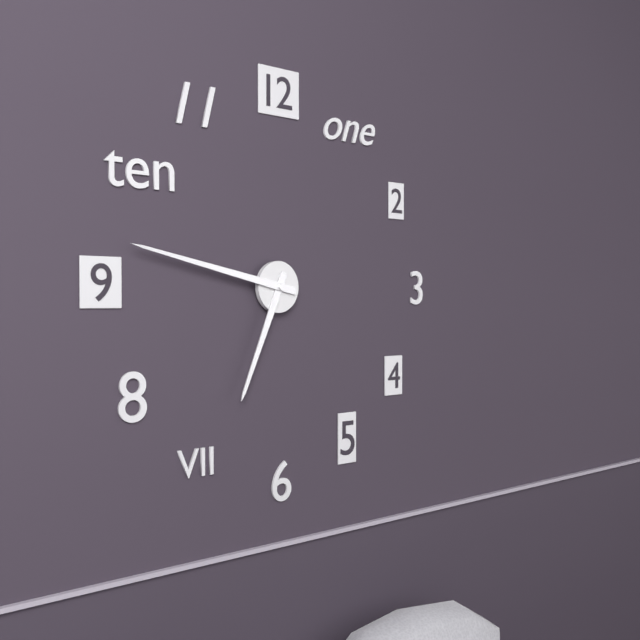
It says 6:47
